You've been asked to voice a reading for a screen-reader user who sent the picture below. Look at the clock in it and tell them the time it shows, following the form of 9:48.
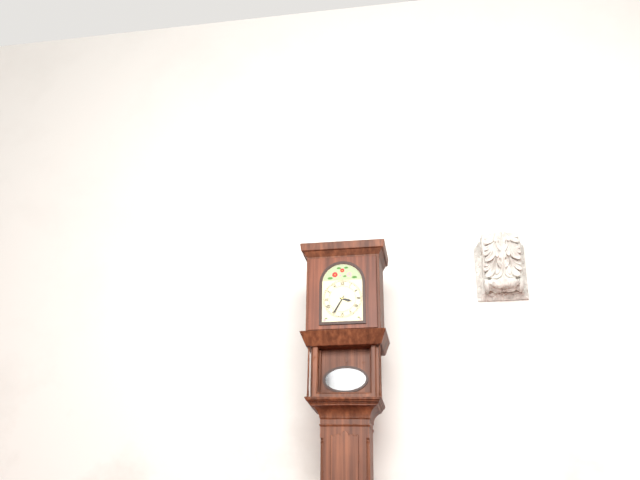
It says 3:35
